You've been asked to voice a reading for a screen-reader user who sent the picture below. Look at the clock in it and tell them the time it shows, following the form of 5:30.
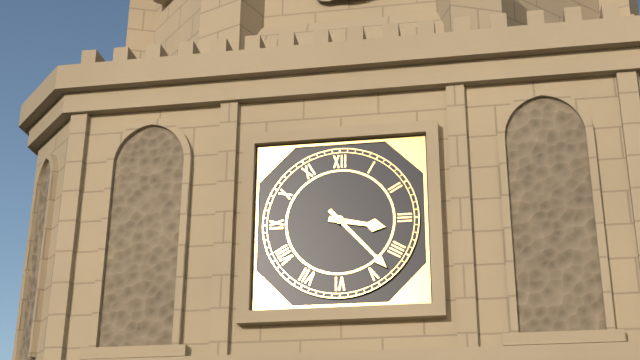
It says 3:23
